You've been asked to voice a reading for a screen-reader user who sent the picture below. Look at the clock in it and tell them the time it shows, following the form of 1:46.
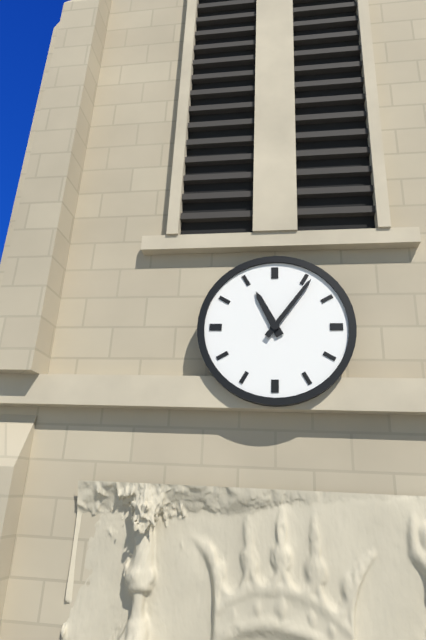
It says 11:06
